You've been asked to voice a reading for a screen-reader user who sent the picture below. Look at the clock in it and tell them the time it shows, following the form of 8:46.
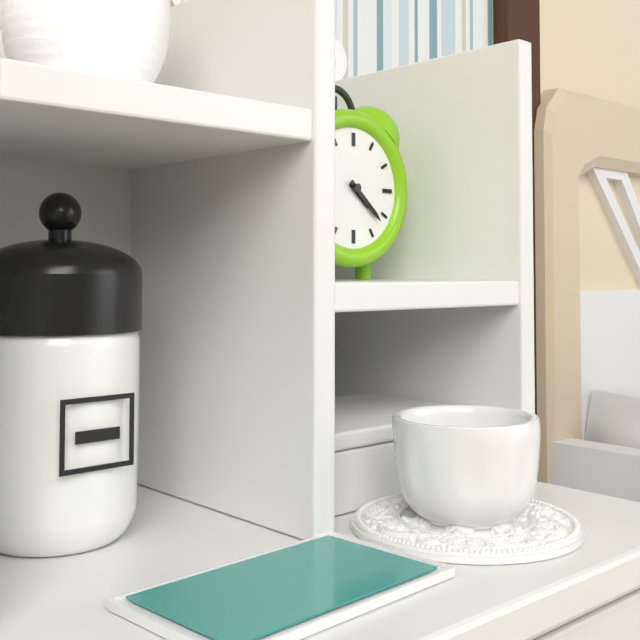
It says 4:22
